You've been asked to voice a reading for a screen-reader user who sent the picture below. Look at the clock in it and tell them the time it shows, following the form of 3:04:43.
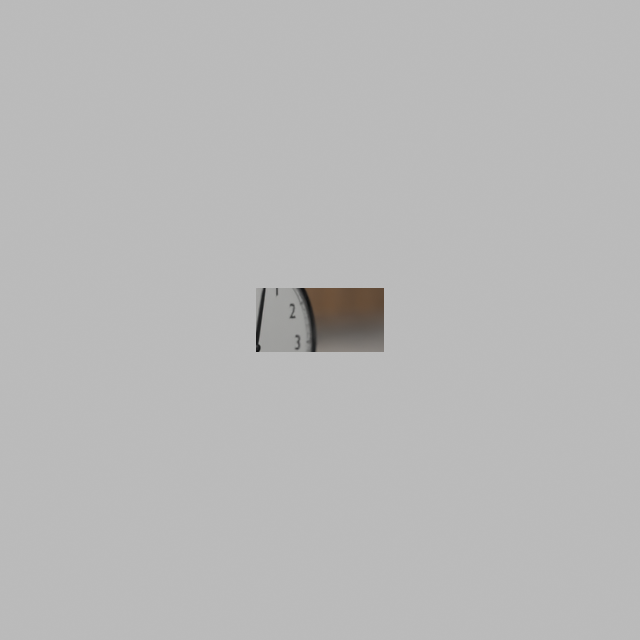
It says 11:02:30
